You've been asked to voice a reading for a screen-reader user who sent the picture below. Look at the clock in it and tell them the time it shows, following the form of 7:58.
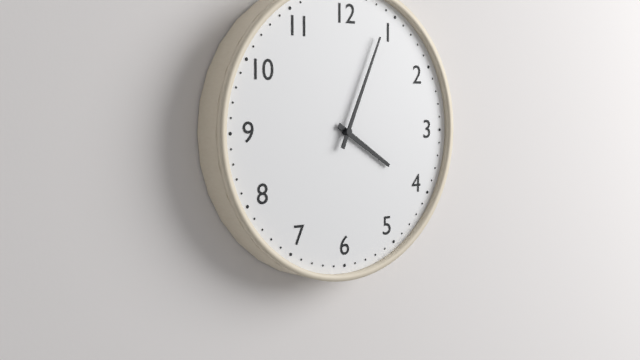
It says 4:04
